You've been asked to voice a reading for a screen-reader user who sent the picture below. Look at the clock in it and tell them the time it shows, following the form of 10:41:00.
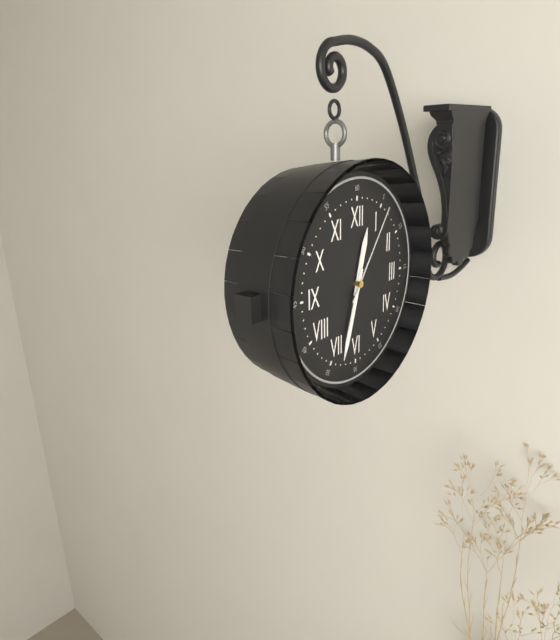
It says 12:33:06
